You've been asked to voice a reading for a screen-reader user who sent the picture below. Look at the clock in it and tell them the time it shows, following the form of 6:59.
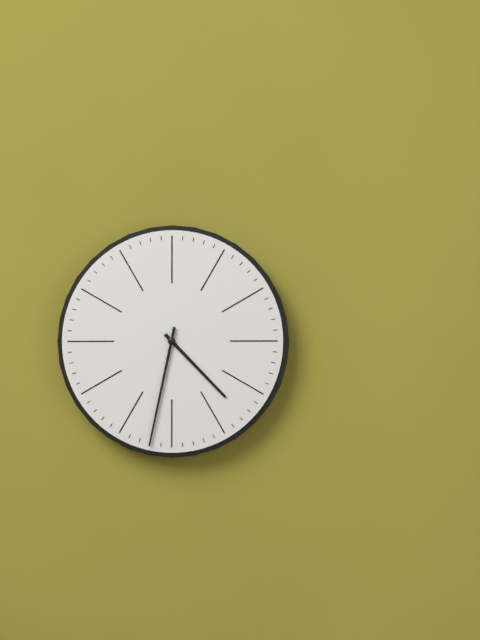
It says 4:32
